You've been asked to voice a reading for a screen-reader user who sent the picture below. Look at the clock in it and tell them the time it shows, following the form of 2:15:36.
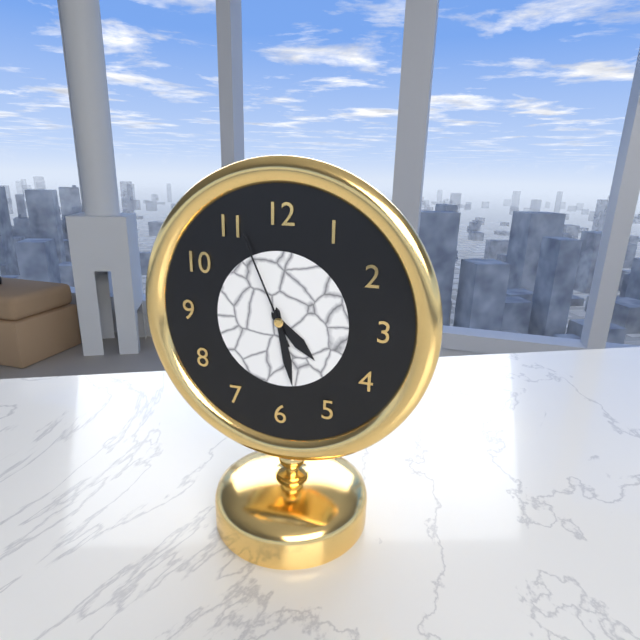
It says 4:28:56
